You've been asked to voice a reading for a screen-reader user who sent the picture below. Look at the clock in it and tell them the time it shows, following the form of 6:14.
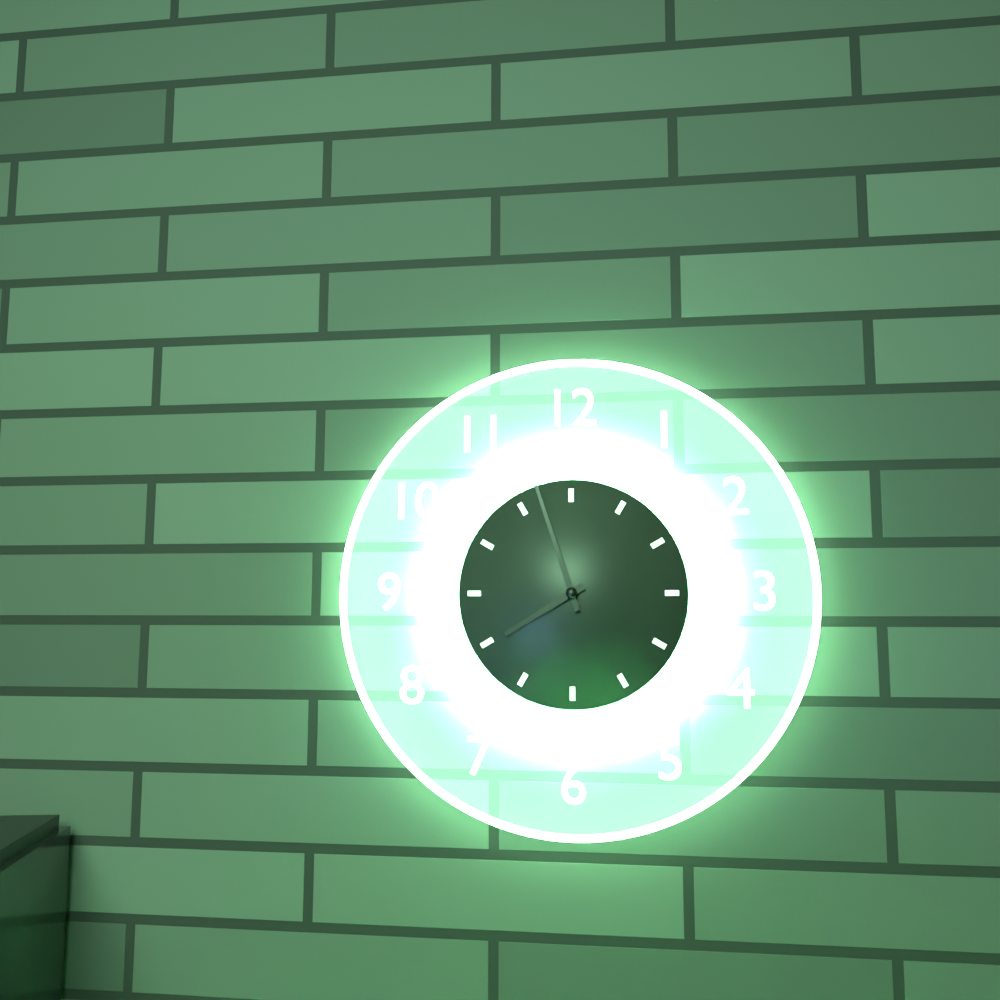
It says 7:57
